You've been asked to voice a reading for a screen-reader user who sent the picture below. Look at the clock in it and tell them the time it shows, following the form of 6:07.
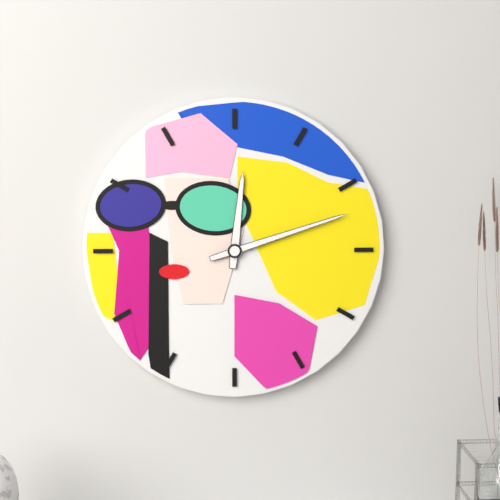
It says 12:12
